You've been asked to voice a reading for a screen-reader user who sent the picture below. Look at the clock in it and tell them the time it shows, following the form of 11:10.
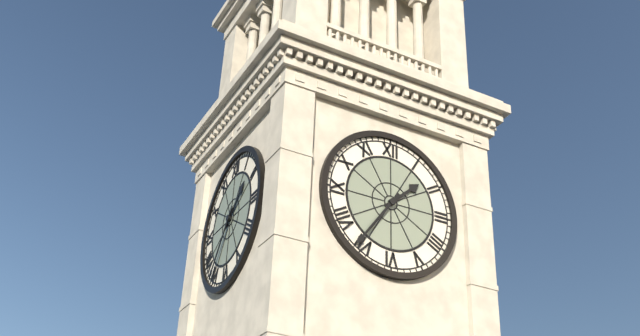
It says 1:36
